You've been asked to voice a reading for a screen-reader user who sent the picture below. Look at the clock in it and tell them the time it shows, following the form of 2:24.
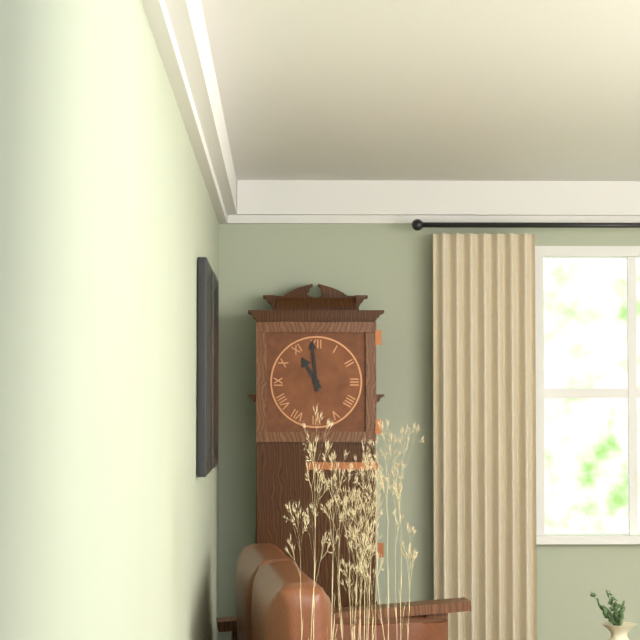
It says 10:59
